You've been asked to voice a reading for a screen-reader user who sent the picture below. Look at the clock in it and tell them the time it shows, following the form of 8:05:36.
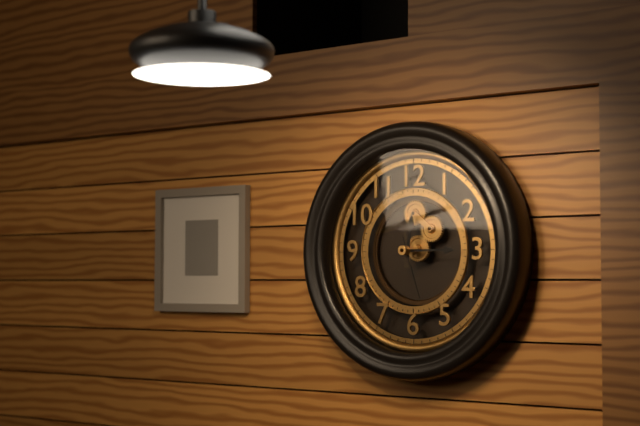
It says 12:15:27
